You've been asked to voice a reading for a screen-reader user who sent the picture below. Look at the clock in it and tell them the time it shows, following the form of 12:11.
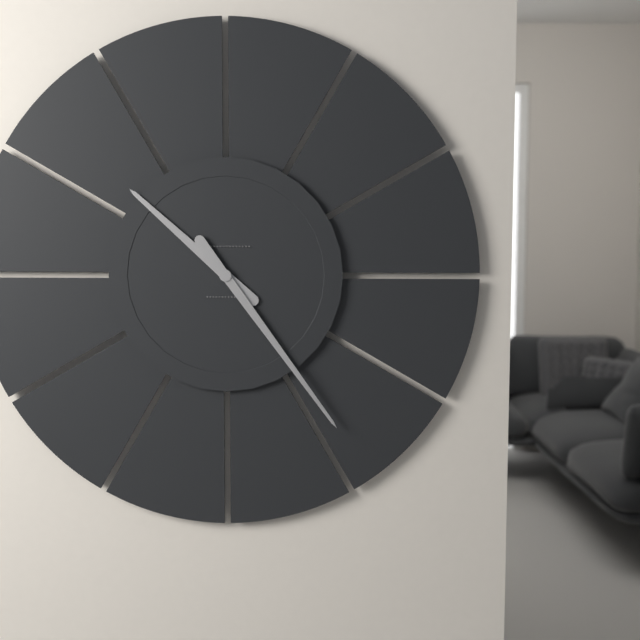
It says 10:24
